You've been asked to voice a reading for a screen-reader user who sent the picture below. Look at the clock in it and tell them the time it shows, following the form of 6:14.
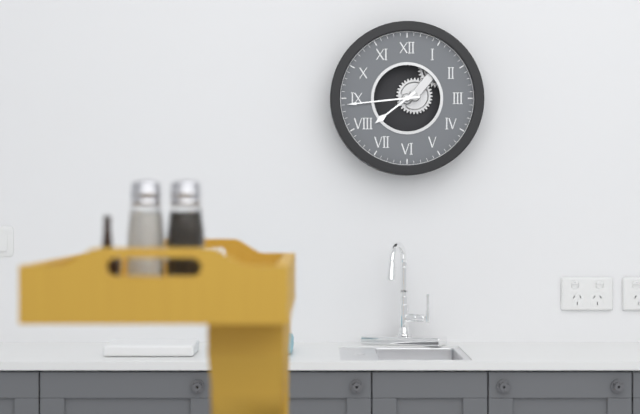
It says 7:44
